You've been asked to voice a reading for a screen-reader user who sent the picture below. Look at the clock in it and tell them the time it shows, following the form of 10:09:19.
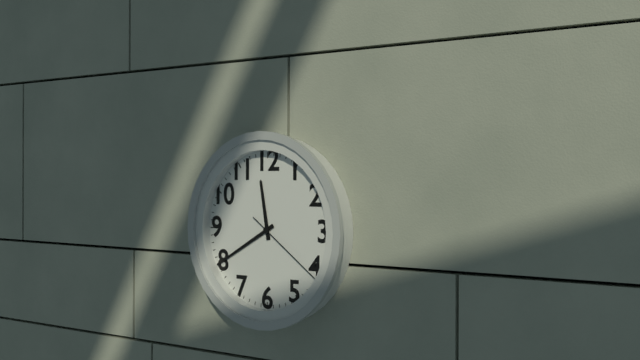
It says 11:40:21
